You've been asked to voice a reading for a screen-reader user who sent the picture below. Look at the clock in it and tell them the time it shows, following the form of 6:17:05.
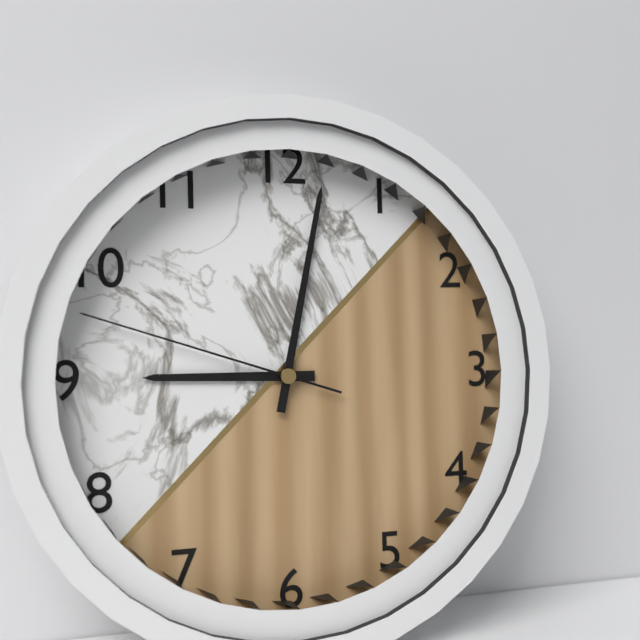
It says 9:02:48
